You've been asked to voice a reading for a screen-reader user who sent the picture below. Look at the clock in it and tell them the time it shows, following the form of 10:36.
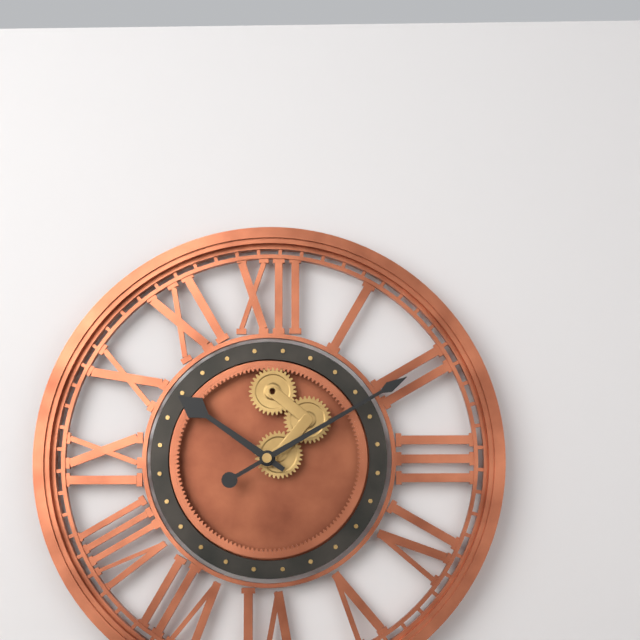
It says 10:10
